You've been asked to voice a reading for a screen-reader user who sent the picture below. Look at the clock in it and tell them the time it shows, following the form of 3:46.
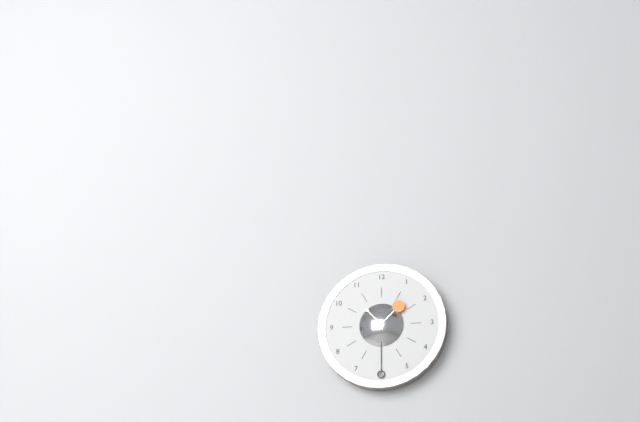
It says 1:30
